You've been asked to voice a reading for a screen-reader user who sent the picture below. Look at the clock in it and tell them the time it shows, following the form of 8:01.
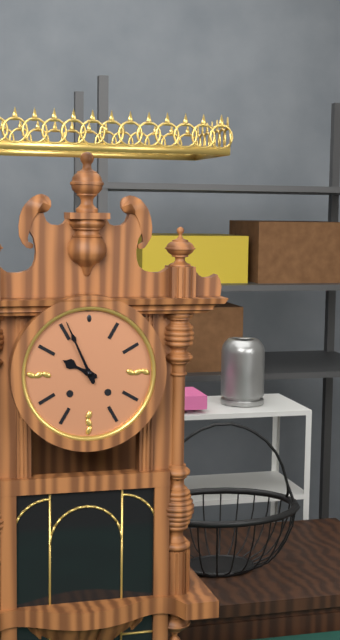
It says 9:56
